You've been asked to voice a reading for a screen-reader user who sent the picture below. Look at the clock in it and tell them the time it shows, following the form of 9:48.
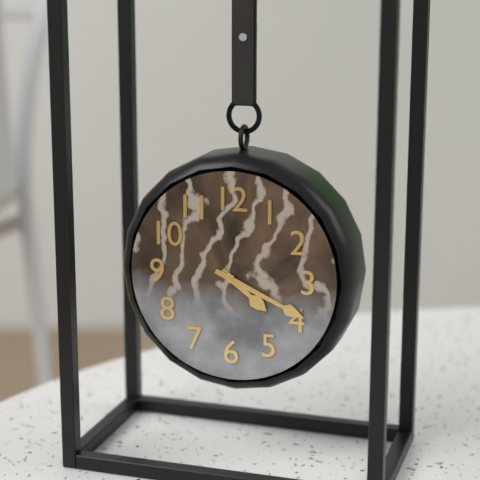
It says 4:19
